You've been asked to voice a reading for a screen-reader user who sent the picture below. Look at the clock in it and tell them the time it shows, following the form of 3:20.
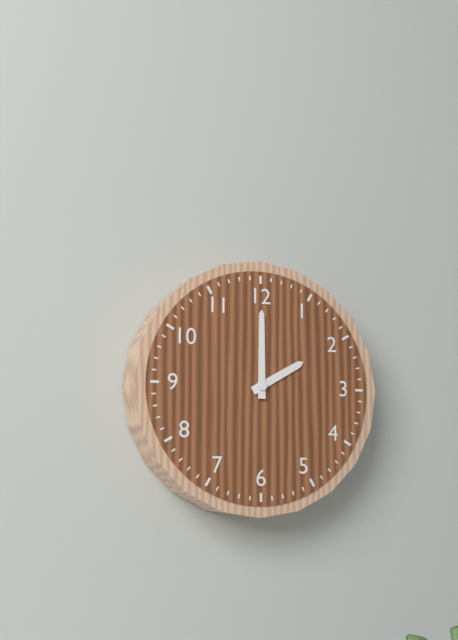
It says 2:00
